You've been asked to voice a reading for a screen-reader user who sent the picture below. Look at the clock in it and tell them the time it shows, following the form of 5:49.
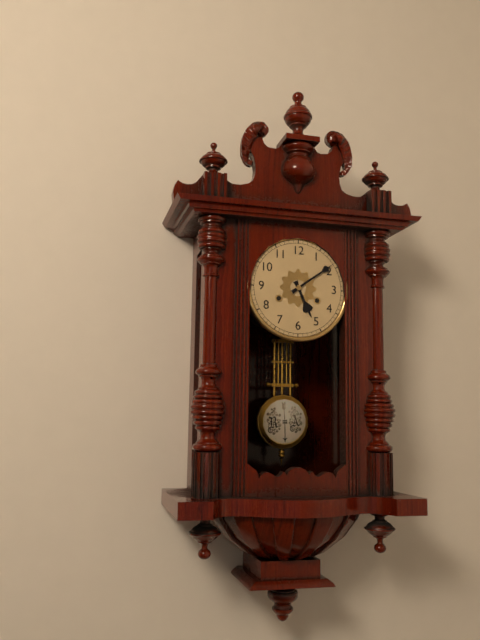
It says 5:09
